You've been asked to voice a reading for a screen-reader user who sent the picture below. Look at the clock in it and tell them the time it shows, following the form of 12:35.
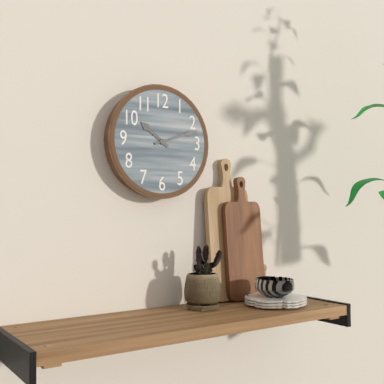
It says 10:12
